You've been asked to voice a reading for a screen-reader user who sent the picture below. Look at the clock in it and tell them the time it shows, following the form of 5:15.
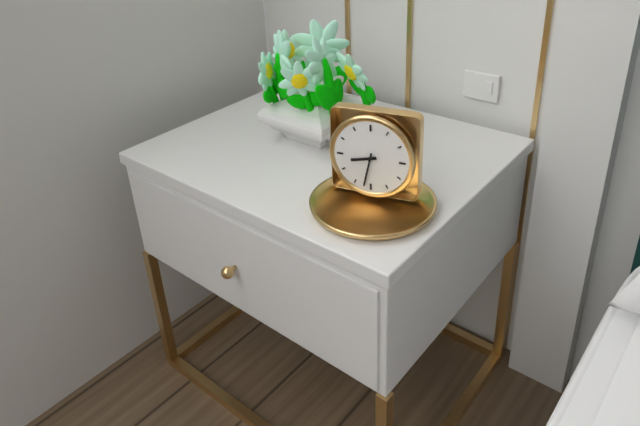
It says 8:32
